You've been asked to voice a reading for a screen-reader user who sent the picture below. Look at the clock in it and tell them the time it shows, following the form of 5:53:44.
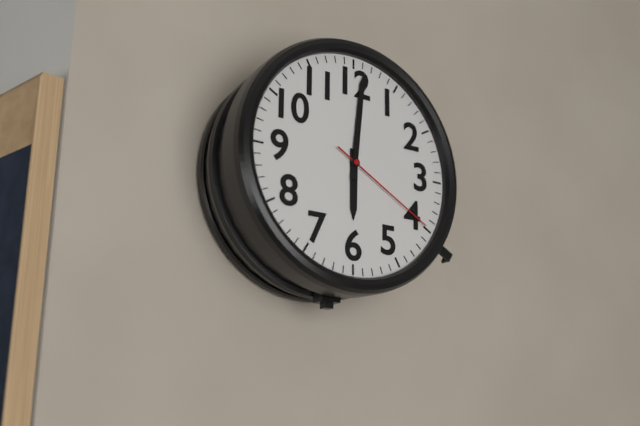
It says 6:01:20
